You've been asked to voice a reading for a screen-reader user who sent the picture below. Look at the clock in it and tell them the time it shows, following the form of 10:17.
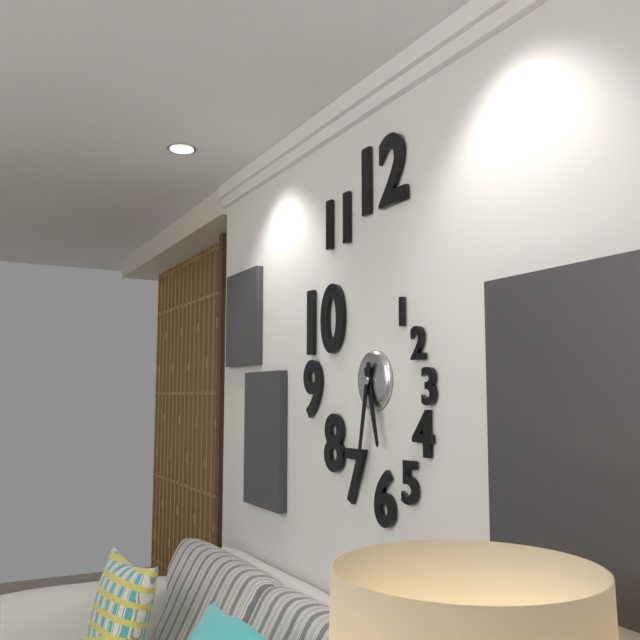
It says 5:32
